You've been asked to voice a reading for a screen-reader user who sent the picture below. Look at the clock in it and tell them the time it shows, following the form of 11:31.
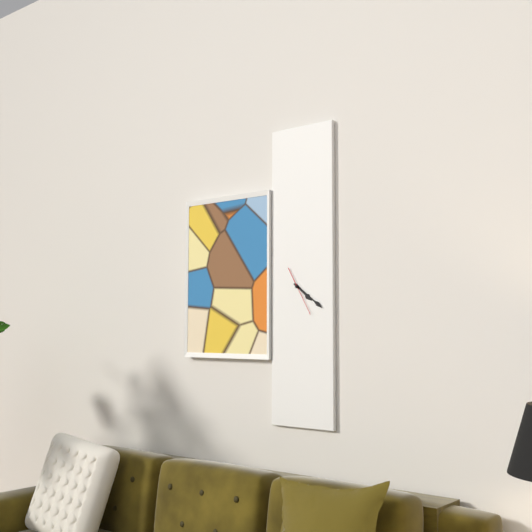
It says 4:21
